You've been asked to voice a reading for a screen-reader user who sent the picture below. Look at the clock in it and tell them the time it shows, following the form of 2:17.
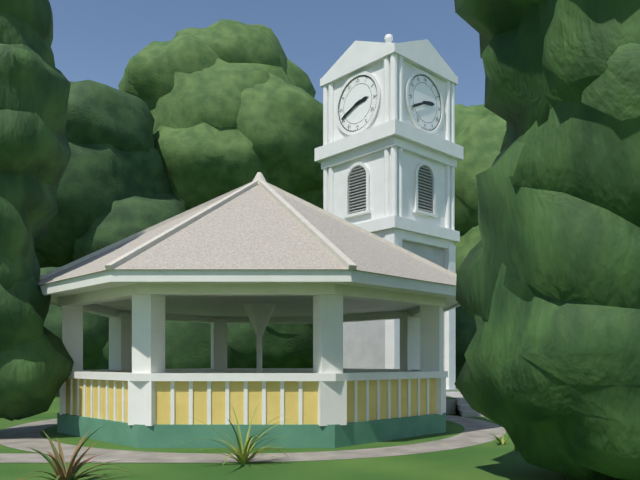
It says 2:41
